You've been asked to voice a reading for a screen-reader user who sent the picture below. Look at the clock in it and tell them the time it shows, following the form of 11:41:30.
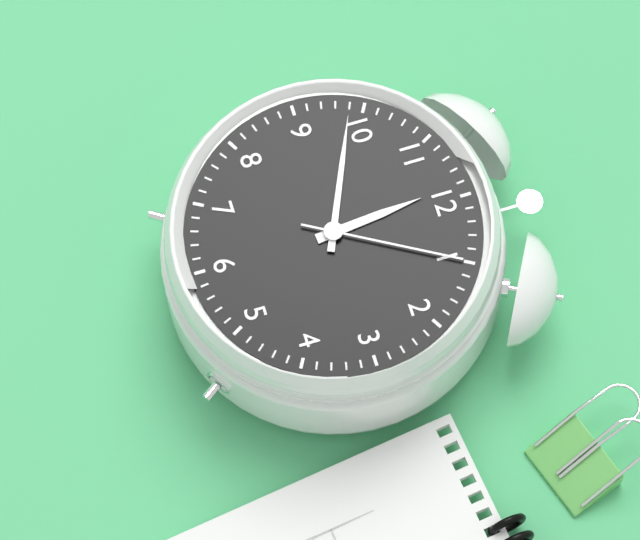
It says 11:49:05
